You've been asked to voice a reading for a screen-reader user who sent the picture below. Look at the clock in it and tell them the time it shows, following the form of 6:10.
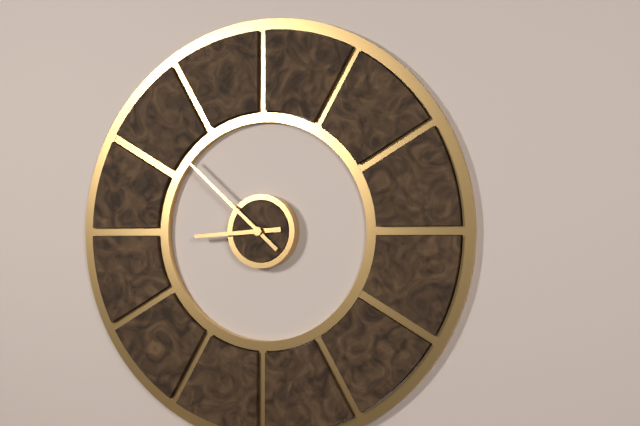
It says 8:52
